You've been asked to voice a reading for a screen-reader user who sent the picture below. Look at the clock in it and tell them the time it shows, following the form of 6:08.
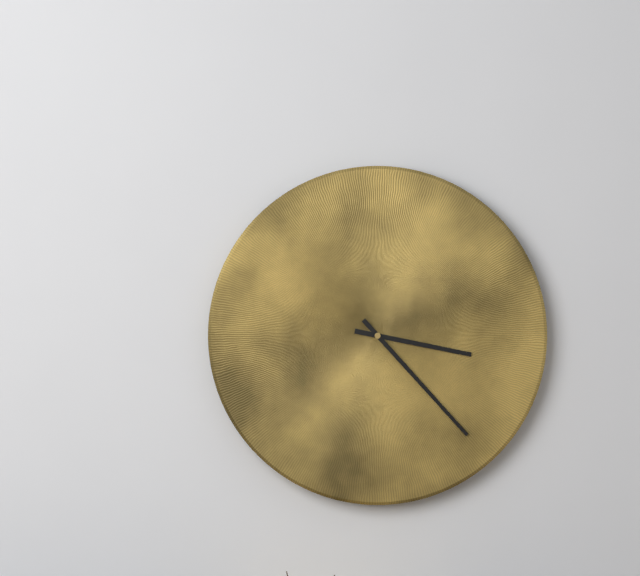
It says 3:23
